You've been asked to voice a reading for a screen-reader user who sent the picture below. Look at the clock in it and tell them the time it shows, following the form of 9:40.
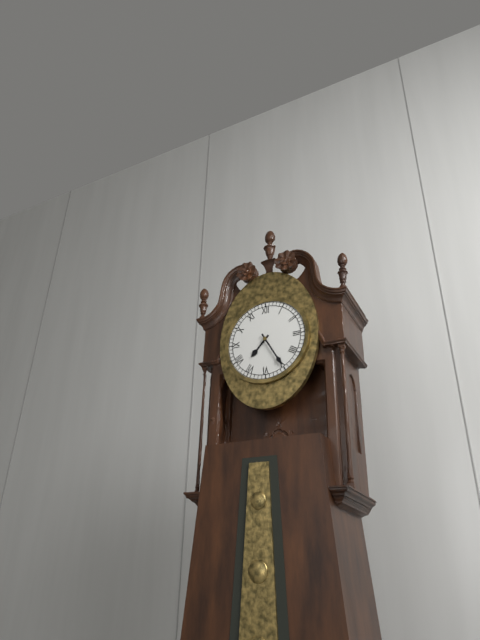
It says 7:25
